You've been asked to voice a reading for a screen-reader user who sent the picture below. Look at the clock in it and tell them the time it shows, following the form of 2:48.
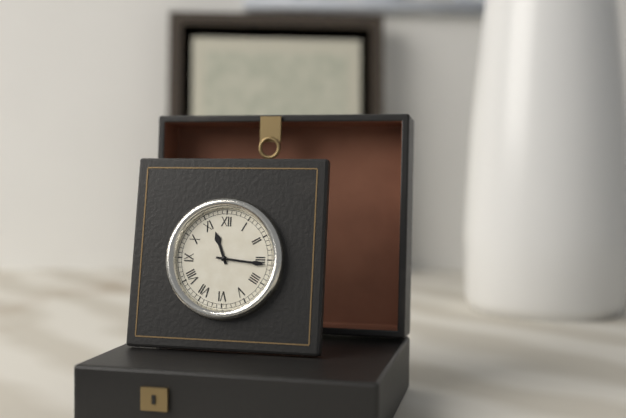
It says 11:16
